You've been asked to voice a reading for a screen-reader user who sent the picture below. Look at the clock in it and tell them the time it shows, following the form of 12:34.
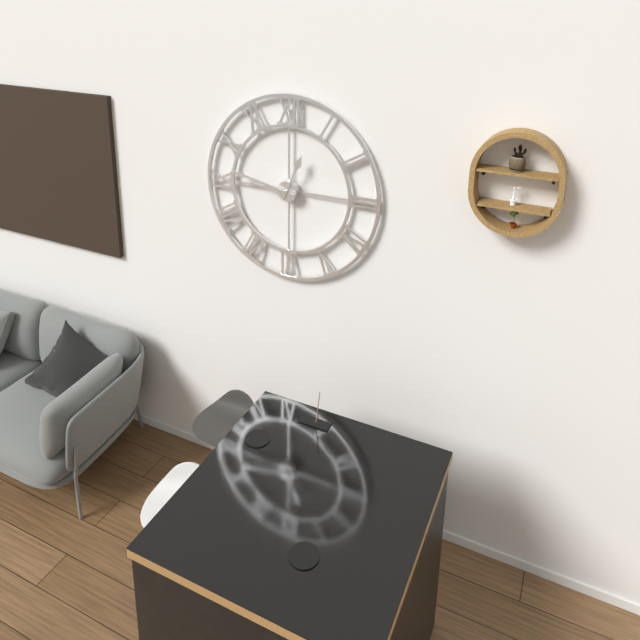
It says 12:47
